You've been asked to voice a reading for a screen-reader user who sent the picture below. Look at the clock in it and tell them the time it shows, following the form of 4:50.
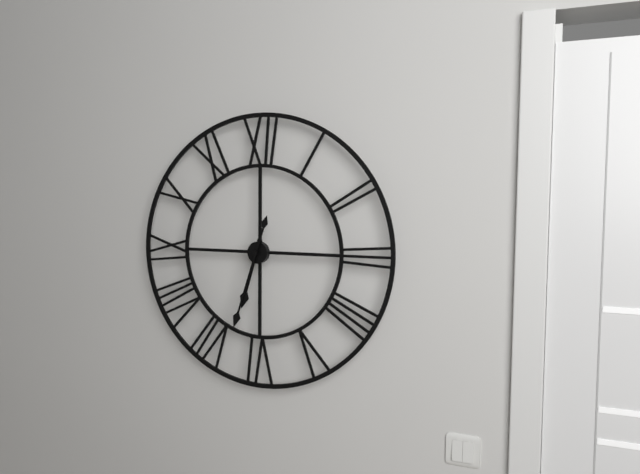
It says 6:33
